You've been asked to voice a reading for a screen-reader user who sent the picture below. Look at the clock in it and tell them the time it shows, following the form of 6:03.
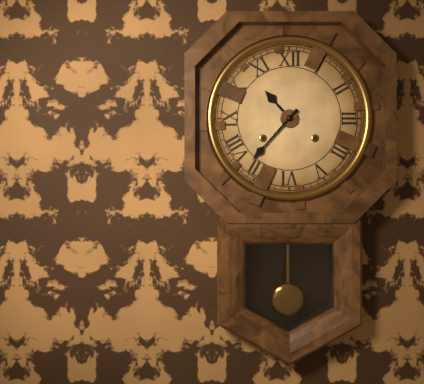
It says 10:37
